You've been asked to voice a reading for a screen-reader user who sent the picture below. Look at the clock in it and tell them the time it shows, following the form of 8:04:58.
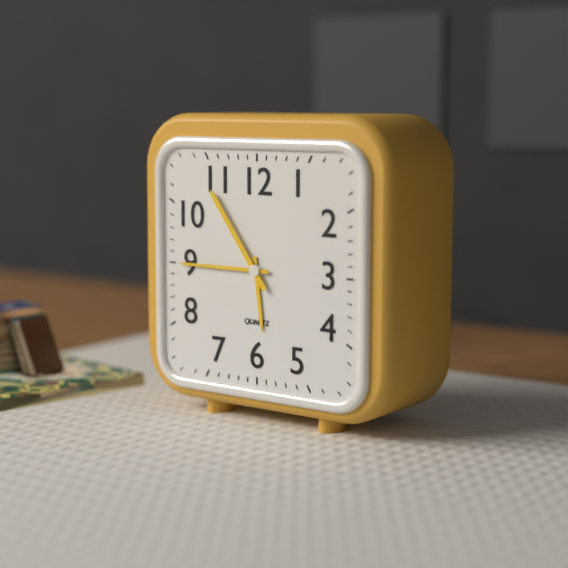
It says 5:45:54
